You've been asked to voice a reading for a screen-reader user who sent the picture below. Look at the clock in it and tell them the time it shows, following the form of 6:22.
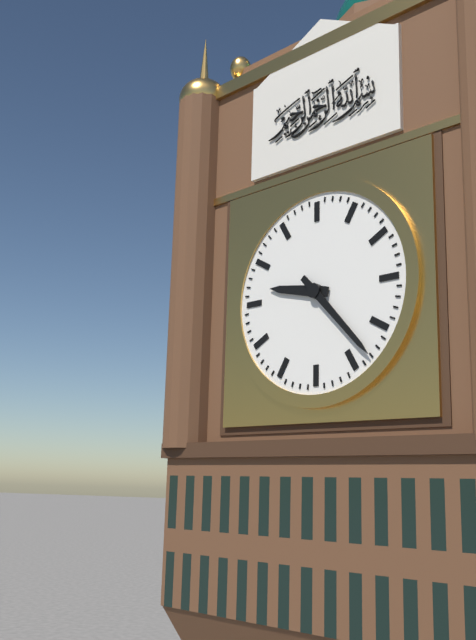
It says 9:23
